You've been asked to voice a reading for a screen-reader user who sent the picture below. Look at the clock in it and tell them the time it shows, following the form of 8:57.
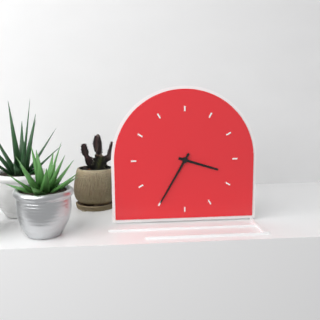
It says 3:35
